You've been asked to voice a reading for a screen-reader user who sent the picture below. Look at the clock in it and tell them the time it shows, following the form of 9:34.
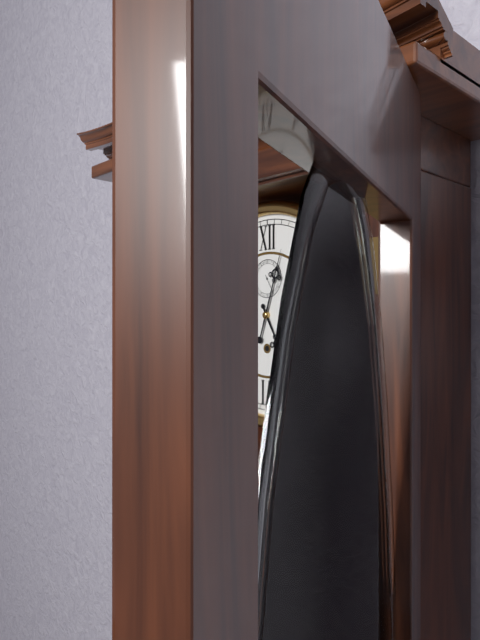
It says 5:03
